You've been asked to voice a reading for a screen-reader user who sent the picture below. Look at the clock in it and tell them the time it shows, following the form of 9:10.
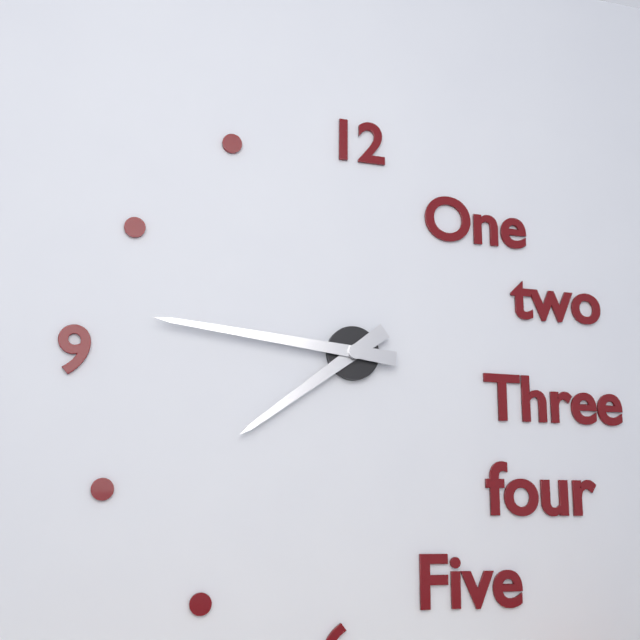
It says 7:46
